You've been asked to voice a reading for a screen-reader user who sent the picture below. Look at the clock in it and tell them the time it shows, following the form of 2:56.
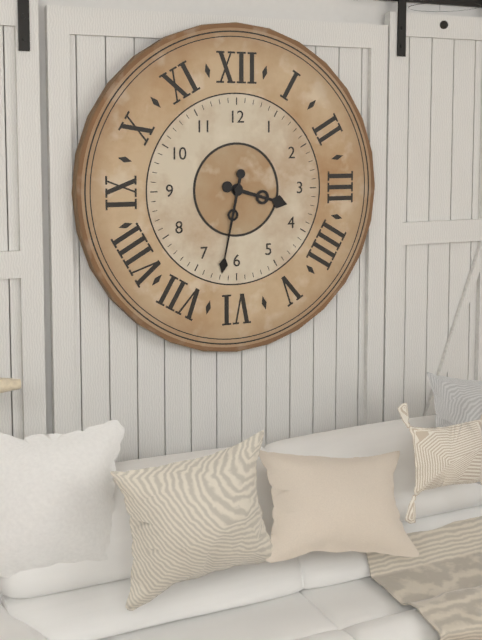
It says 3:32
